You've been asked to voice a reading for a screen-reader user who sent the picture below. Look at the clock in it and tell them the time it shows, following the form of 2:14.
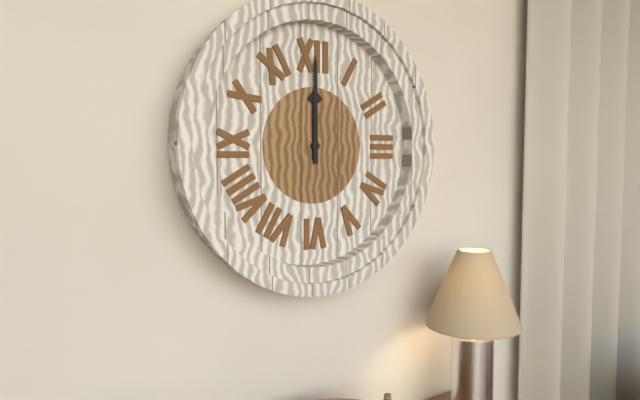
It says 12:00
